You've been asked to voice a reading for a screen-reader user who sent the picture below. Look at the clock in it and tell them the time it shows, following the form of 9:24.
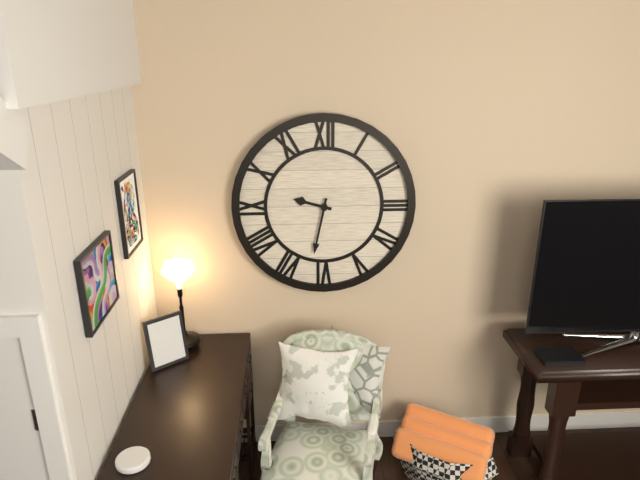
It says 9:32
